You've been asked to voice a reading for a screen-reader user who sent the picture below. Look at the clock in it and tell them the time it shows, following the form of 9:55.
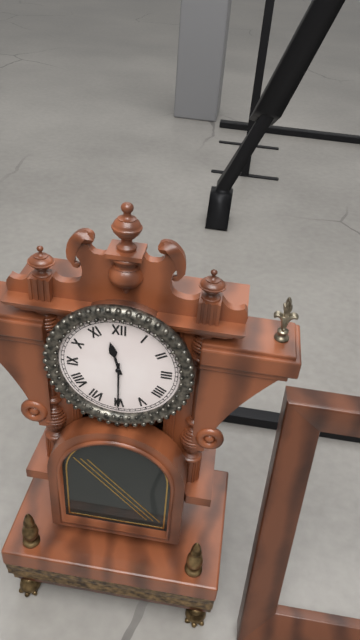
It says 11:30
